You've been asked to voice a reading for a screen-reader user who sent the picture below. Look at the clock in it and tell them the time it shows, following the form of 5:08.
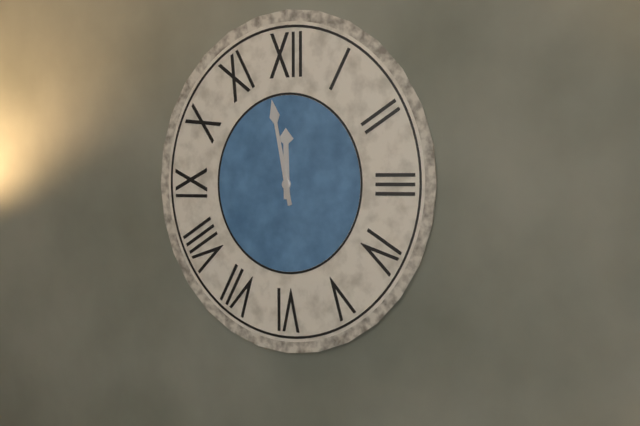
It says 11:58
